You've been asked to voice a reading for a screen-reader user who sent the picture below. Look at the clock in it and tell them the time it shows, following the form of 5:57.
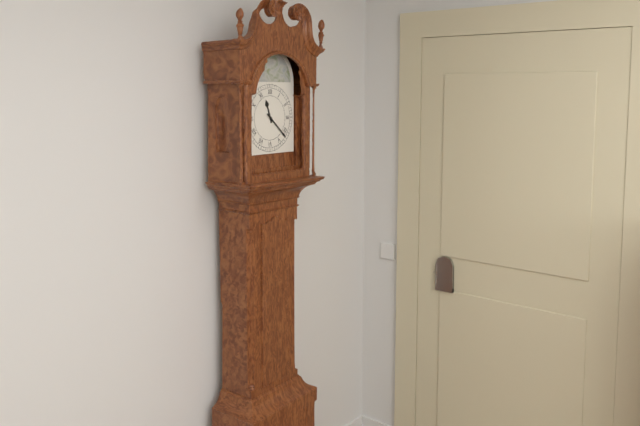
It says 11:22
